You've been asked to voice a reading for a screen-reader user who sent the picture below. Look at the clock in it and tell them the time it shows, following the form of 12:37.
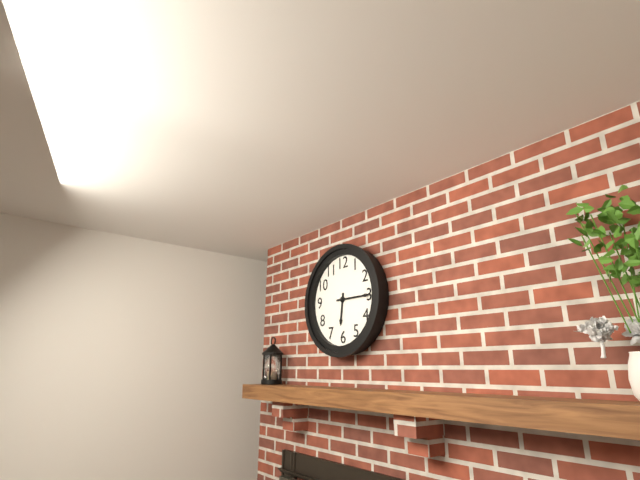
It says 6:15
